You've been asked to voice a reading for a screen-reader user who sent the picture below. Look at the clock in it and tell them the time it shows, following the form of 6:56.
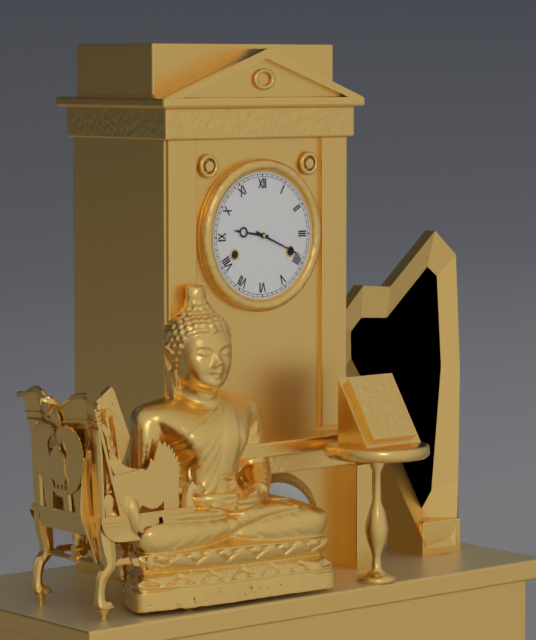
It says 9:19
